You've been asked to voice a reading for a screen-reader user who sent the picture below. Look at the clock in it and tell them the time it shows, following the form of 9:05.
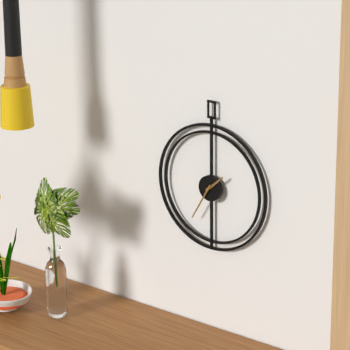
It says 1:35
